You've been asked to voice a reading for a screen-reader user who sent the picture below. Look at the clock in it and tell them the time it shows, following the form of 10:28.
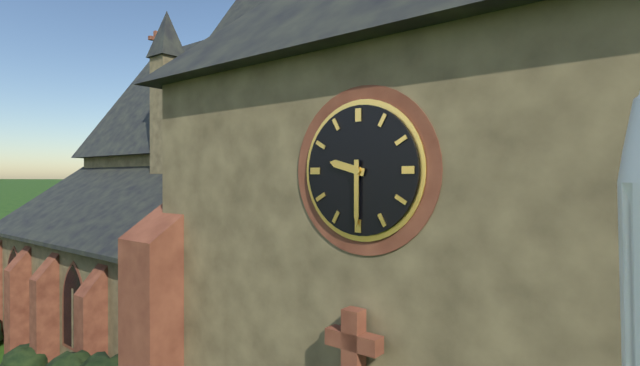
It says 9:30
